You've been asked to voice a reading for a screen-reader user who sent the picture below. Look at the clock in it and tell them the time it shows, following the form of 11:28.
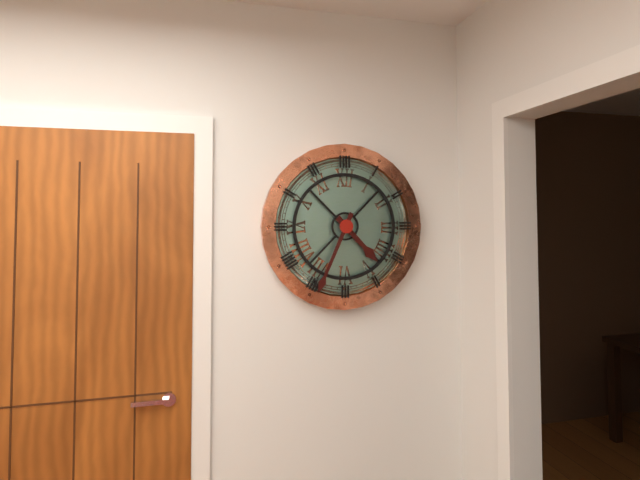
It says 4:34
